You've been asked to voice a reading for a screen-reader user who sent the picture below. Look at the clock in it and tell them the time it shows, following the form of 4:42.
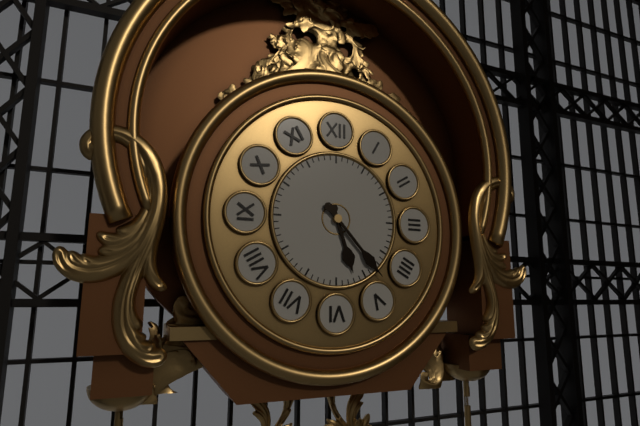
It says 5:23
